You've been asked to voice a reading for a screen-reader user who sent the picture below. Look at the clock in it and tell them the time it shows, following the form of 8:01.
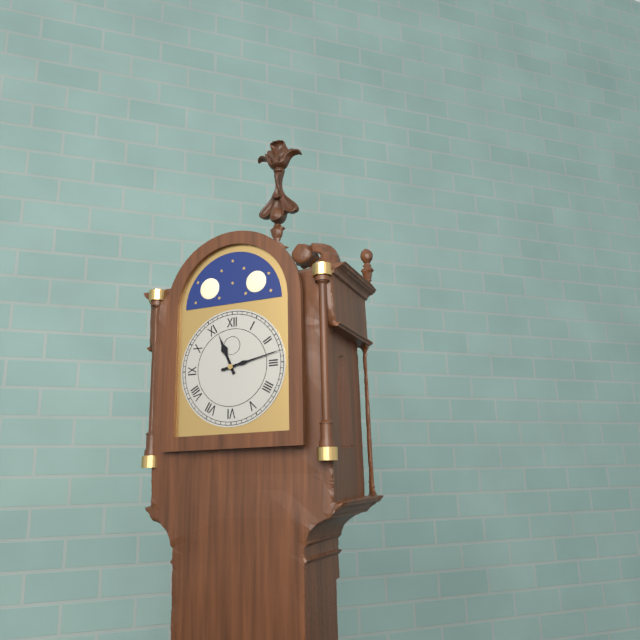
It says 11:13
